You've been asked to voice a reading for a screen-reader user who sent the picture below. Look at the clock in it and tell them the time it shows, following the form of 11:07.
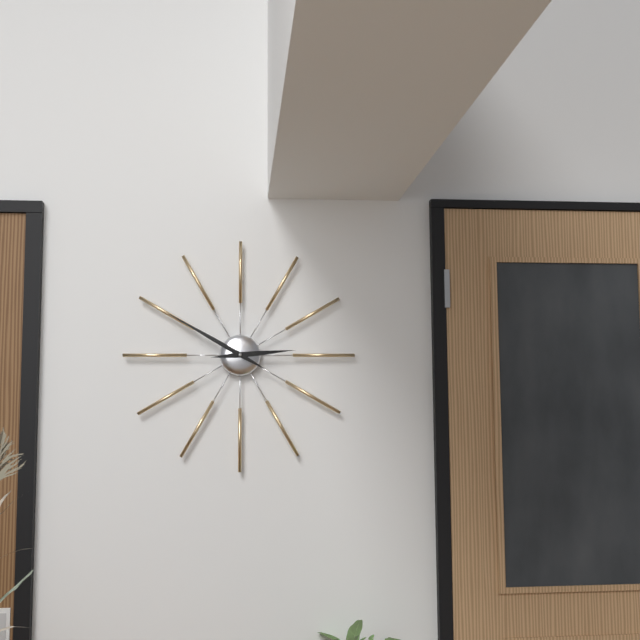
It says 2:50
